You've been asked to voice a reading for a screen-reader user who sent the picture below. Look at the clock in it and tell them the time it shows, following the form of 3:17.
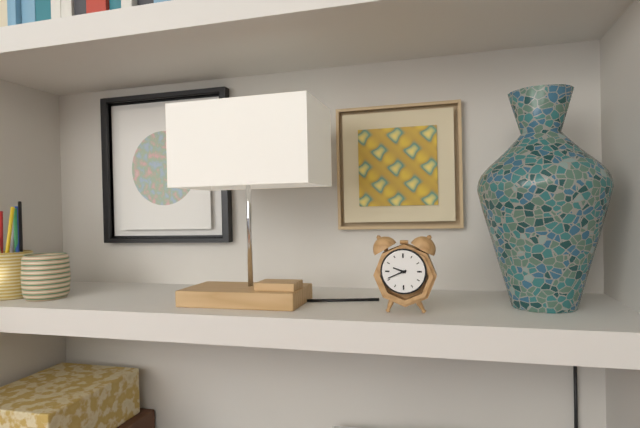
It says 9:41
